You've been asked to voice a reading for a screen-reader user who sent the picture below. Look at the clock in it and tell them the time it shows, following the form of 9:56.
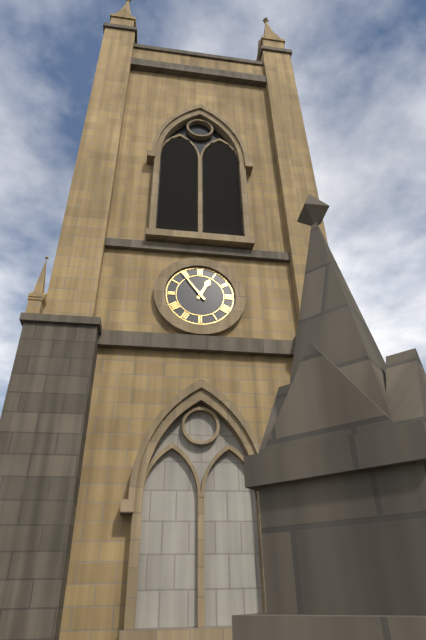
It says 12:54
